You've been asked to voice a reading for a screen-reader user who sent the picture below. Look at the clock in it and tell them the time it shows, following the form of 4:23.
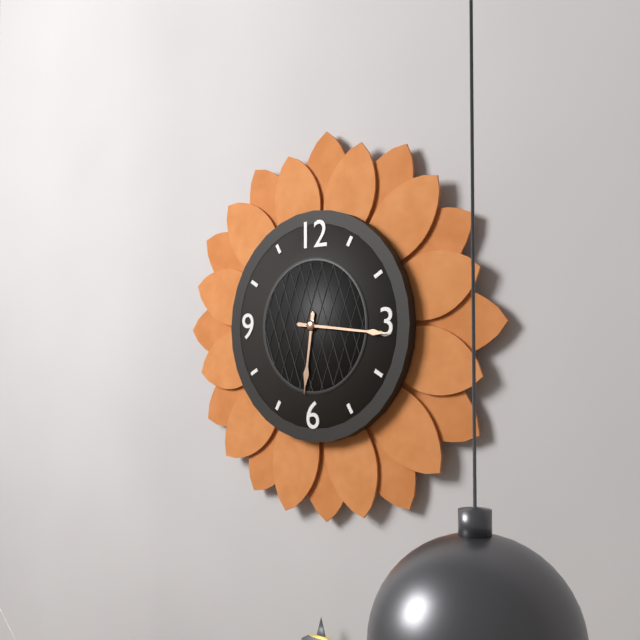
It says 6:16
